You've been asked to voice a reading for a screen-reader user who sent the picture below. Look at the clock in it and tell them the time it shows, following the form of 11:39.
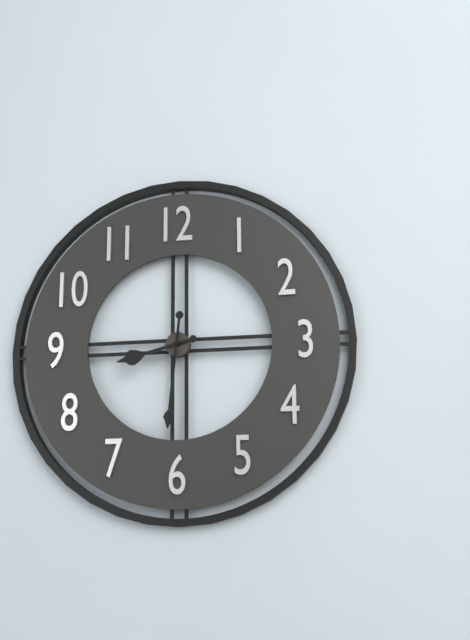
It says 8:31
